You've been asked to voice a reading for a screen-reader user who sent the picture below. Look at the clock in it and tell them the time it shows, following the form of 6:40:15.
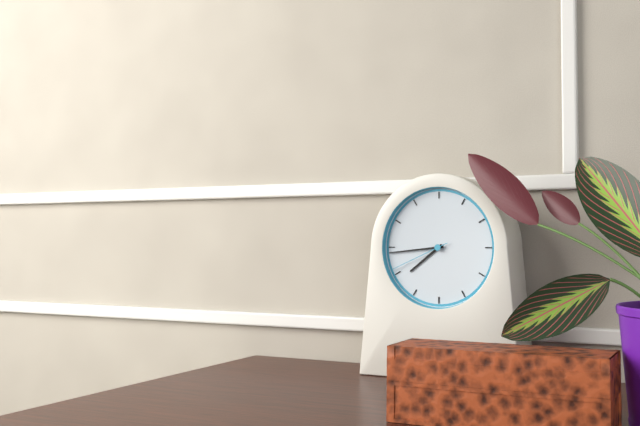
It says 7:44:41
